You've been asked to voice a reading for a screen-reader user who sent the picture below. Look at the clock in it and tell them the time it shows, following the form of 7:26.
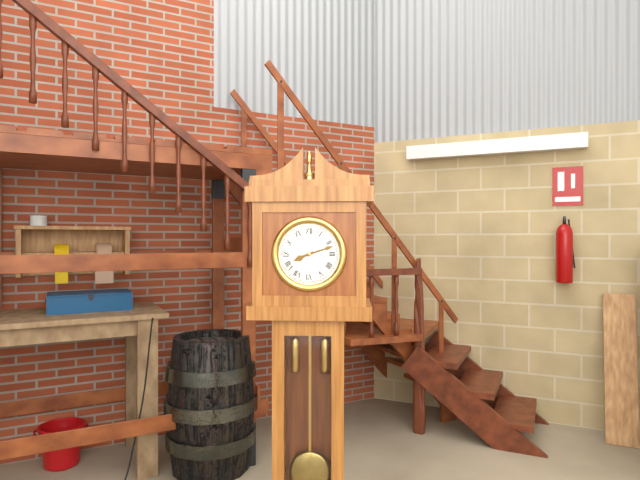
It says 8:12
